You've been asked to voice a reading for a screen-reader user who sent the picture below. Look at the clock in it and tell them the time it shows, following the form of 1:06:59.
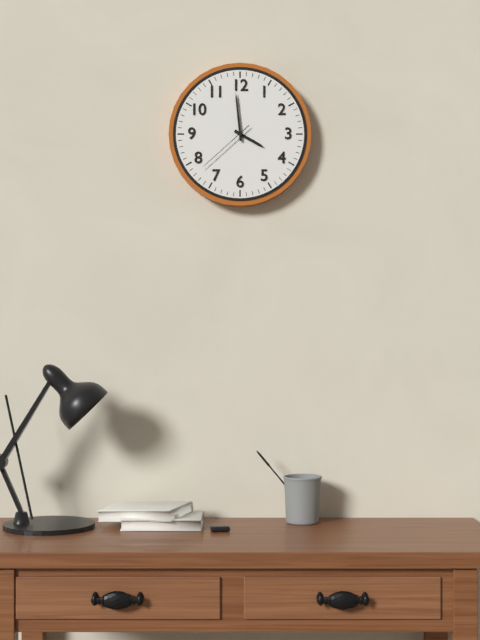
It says 3:59:38
